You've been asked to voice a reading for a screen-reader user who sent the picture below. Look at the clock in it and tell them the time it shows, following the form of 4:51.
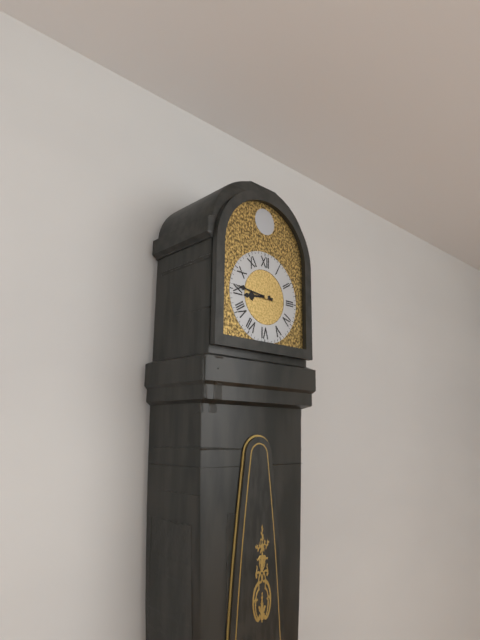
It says 8:46
